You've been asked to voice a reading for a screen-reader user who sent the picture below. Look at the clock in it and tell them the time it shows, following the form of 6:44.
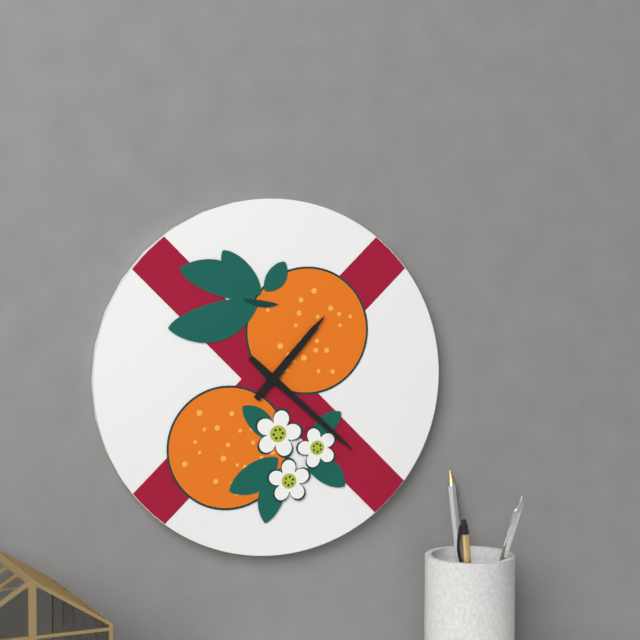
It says 1:22
